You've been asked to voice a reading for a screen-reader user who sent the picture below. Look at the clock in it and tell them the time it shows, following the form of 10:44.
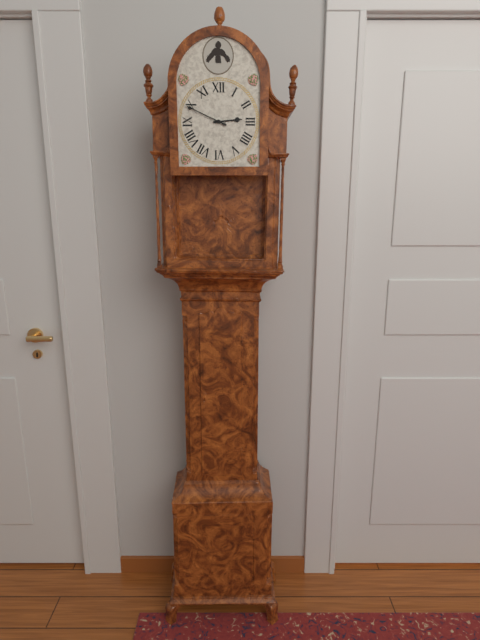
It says 2:49
